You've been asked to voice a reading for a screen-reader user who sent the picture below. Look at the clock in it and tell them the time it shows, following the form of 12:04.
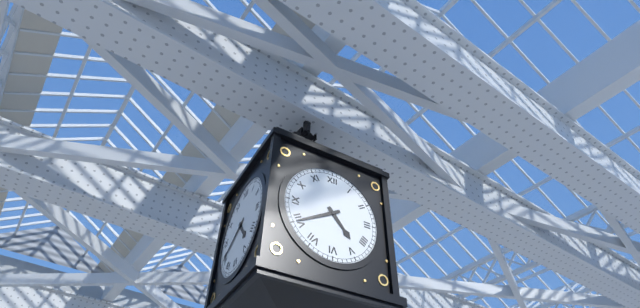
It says 4:40
